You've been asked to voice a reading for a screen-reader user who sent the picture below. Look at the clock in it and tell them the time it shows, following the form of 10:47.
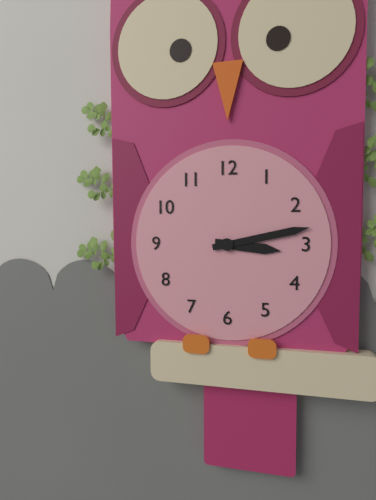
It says 3:13
